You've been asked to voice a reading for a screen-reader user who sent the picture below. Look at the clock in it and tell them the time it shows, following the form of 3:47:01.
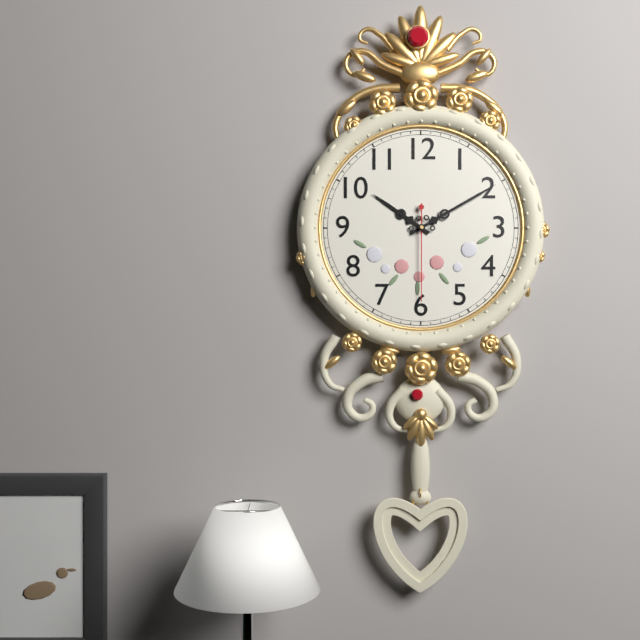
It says 10:10:30
